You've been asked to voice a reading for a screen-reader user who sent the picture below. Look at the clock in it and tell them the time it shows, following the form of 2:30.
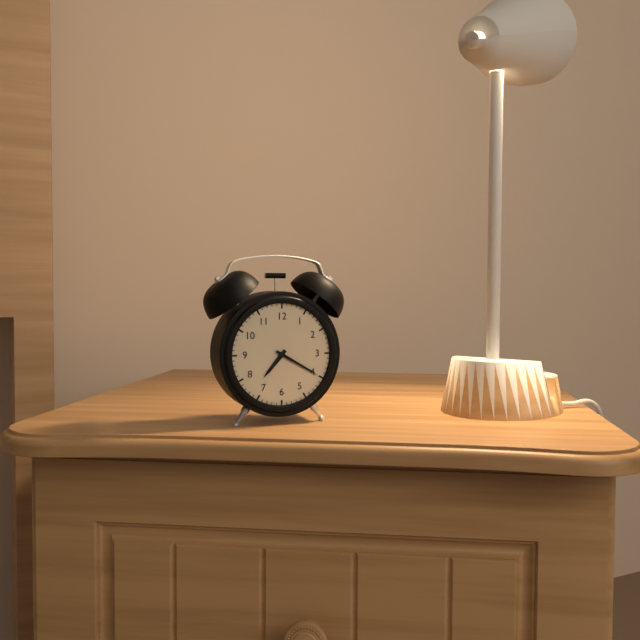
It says 7:20
